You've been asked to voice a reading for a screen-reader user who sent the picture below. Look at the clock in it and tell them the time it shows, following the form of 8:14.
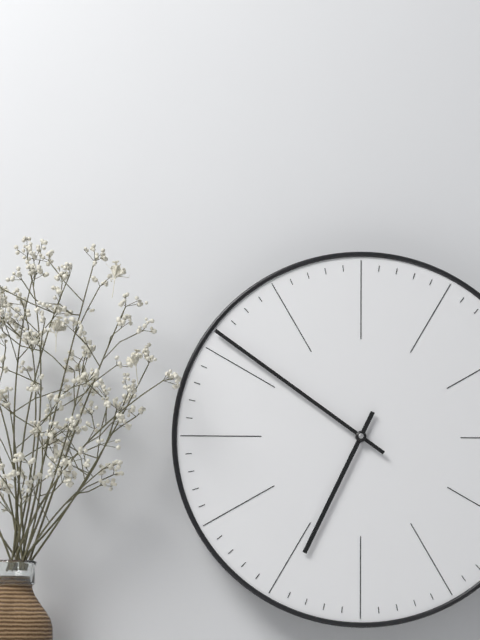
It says 6:51
